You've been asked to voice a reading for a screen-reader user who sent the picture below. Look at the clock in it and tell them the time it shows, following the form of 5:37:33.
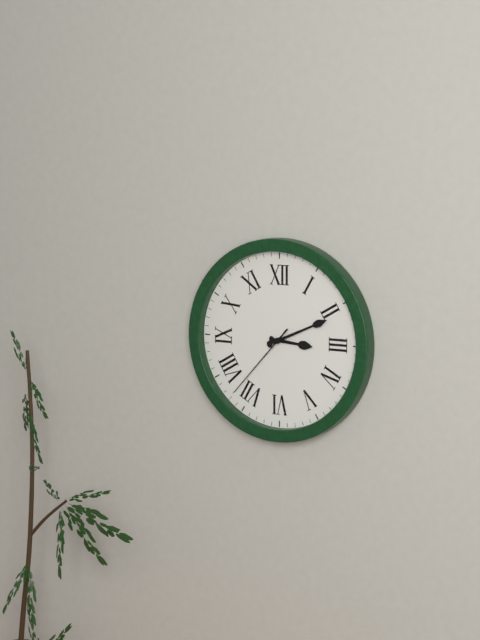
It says 3:11:37
